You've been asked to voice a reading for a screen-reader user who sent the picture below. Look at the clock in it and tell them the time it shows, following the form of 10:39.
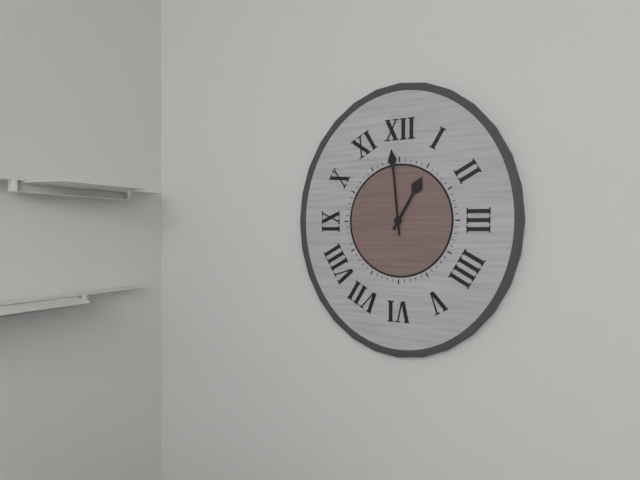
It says 12:59
